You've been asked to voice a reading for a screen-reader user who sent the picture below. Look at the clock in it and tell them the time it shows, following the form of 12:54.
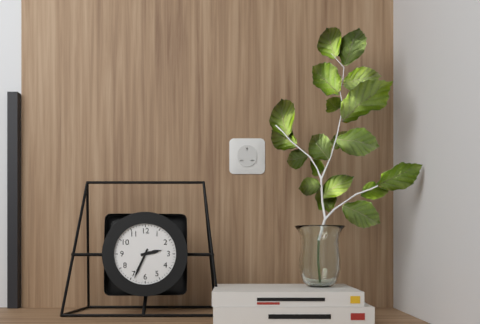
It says 2:34
